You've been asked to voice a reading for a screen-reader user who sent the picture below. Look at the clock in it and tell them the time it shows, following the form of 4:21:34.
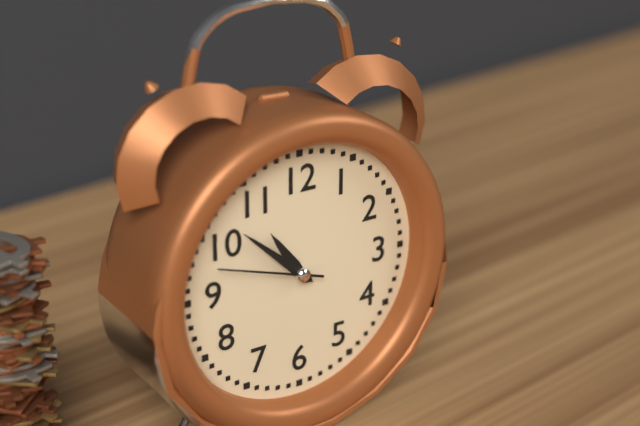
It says 10:52:48
